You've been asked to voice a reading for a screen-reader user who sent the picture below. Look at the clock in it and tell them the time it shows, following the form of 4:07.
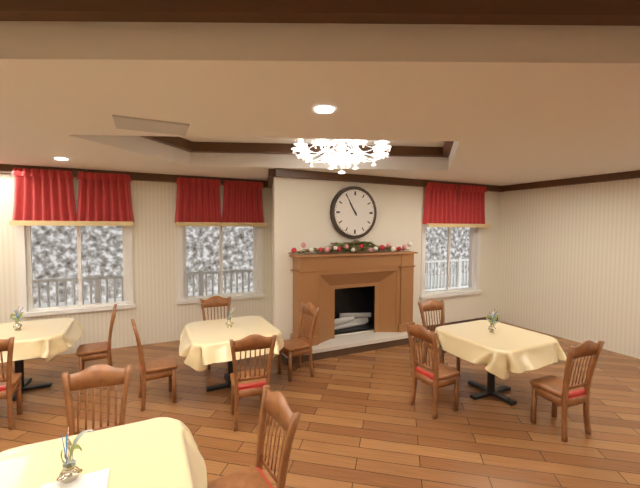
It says 10:55
